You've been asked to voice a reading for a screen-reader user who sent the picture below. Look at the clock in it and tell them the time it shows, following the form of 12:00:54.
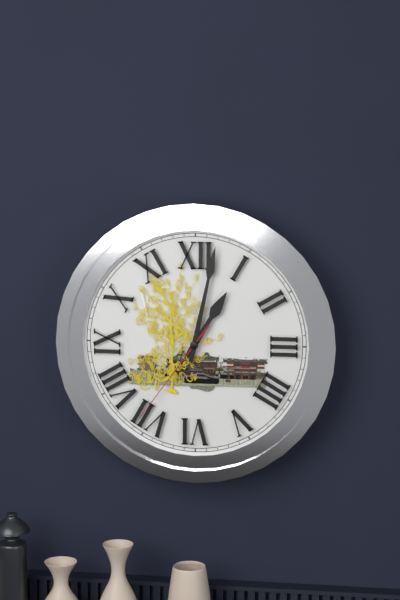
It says 1:02:36
